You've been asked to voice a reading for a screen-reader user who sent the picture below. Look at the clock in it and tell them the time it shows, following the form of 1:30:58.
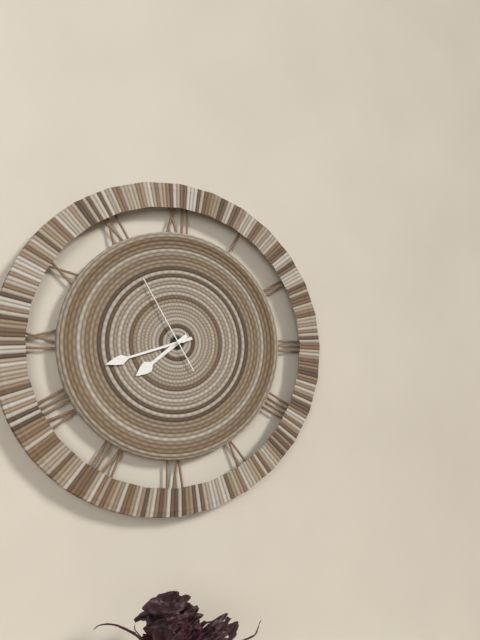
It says 7:42:55
